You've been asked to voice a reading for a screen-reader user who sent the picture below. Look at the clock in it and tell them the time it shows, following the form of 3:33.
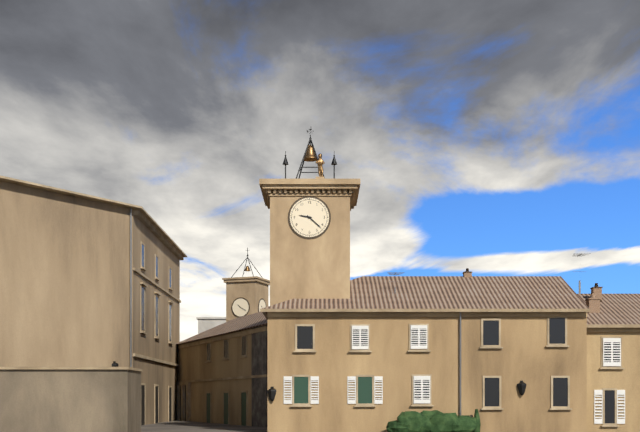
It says 9:22
